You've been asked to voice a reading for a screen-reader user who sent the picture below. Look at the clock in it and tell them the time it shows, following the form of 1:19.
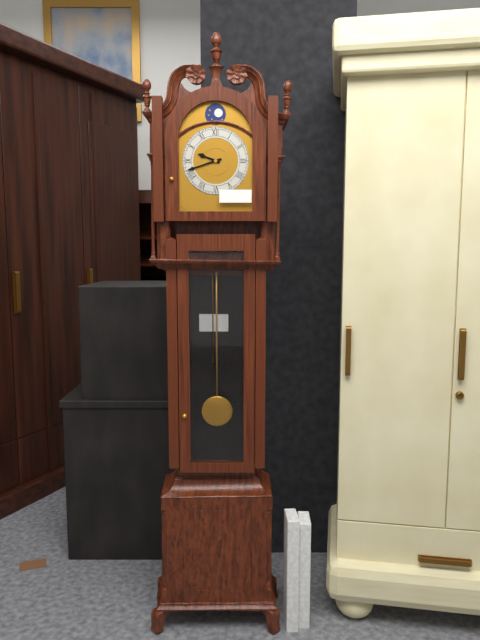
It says 9:42
